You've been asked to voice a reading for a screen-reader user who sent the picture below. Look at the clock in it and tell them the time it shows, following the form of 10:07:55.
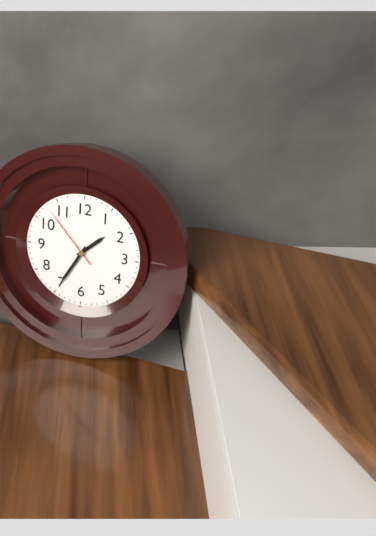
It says 1:35:53
